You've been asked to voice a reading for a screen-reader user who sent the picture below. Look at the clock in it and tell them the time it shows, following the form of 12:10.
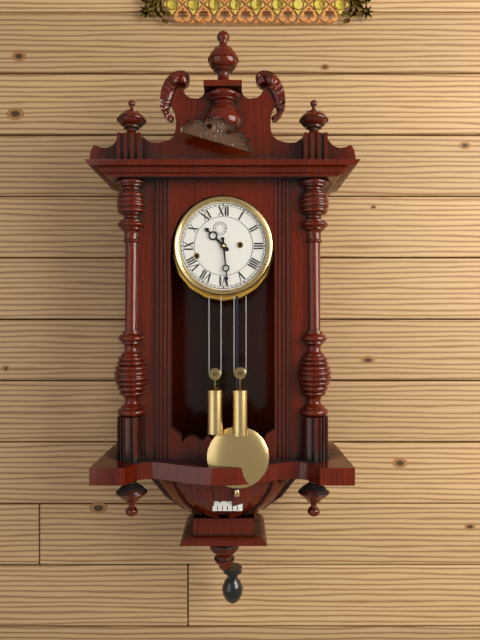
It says 10:29
